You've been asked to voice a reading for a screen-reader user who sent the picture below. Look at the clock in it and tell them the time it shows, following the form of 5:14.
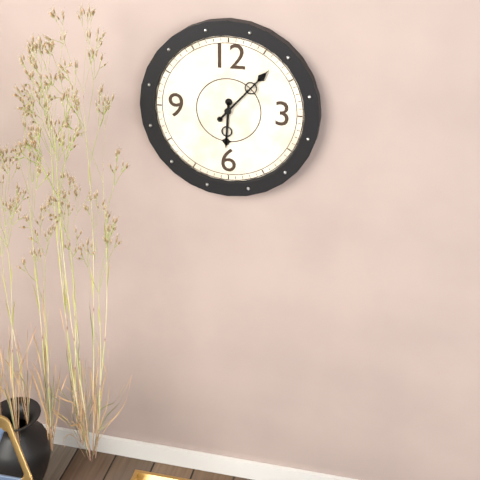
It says 6:07
